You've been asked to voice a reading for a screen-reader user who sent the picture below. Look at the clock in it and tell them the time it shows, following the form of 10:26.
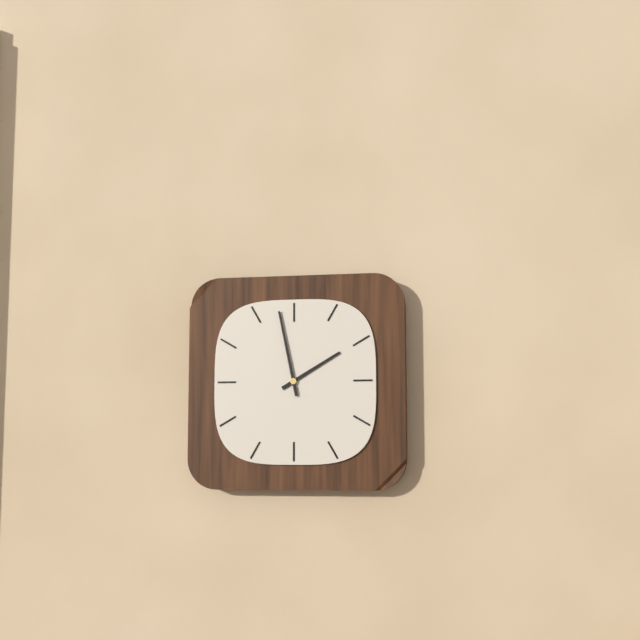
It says 1:58
